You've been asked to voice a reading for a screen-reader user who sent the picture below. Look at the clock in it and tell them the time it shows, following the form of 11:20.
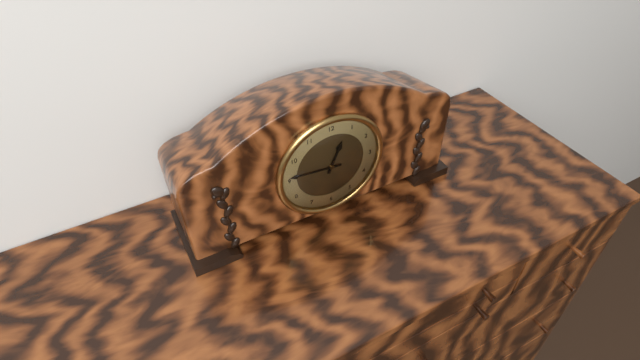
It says 12:46
